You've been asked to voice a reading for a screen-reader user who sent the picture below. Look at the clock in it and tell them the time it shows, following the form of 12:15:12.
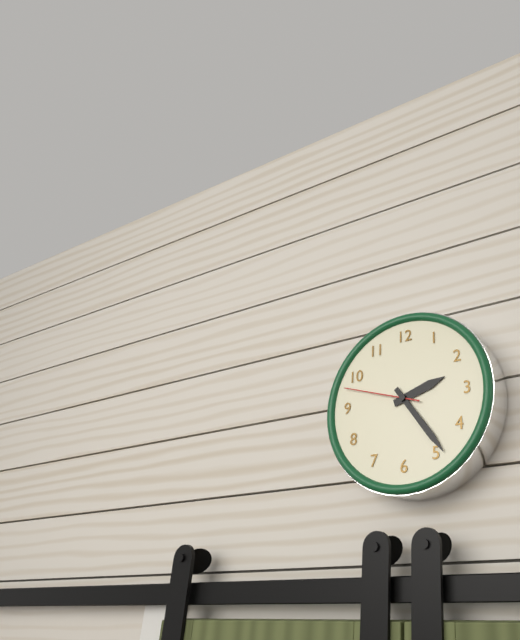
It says 2:24:48
